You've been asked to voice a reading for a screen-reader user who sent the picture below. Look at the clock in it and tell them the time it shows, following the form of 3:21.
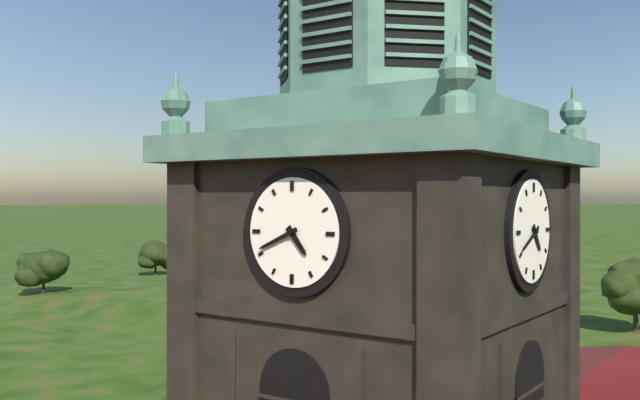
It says 4:41
